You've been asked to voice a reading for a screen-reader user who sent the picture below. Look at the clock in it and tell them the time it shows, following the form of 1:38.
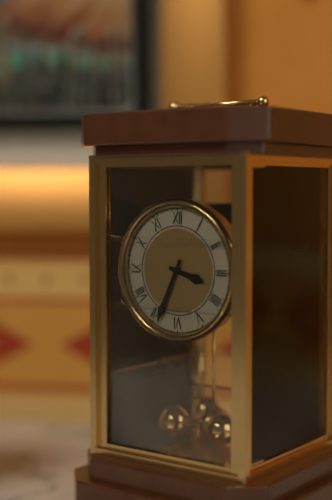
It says 3:34
